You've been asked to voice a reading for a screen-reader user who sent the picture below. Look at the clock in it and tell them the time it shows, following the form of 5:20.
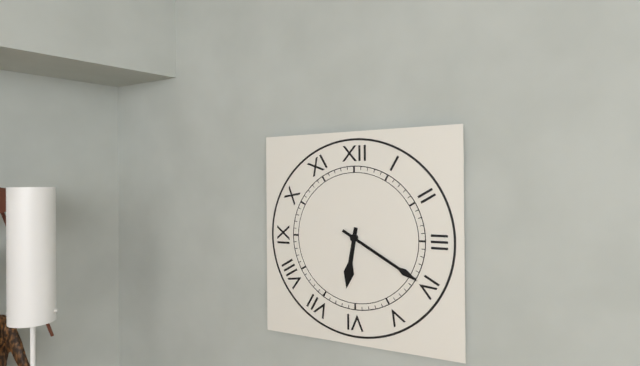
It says 6:20
